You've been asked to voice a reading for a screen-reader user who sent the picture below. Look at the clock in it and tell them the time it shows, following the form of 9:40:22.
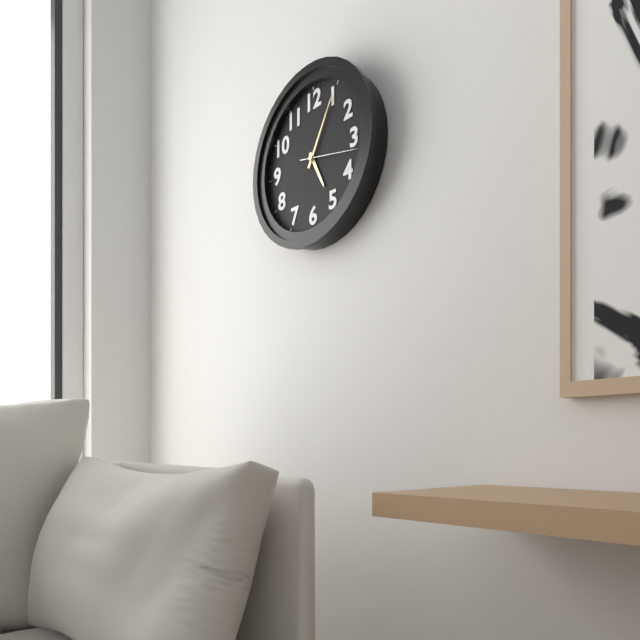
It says 5:05:17
